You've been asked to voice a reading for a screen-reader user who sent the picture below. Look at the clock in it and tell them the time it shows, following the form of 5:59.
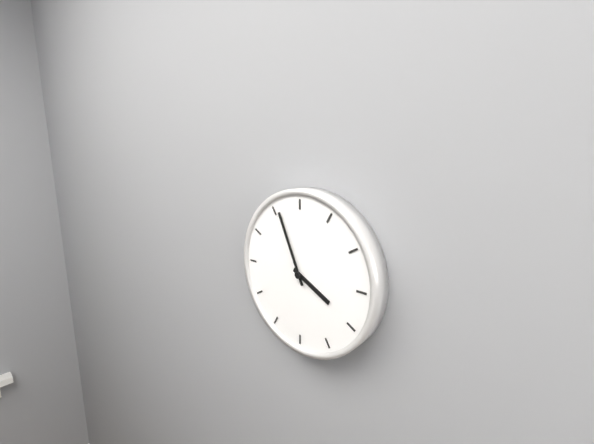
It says 3:56
